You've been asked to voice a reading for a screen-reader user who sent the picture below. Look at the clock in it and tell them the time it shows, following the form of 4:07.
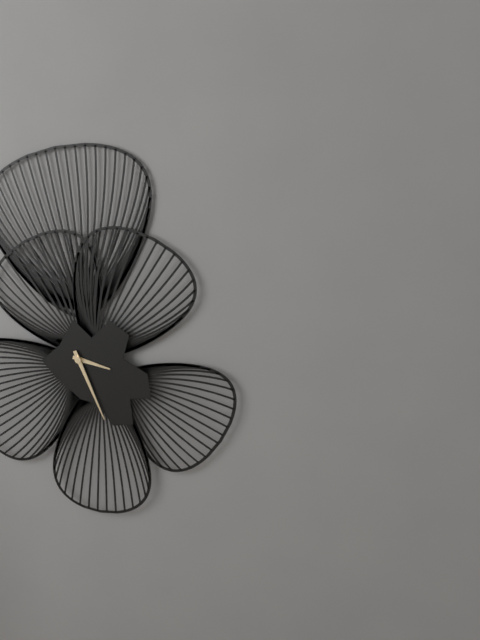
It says 3:26
